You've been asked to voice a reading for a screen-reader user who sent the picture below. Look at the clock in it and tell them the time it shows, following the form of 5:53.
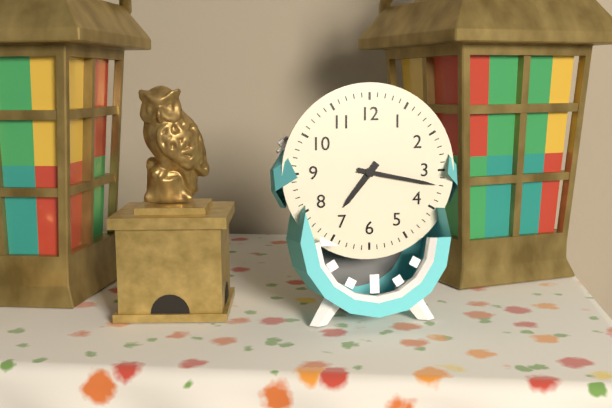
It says 7:17
